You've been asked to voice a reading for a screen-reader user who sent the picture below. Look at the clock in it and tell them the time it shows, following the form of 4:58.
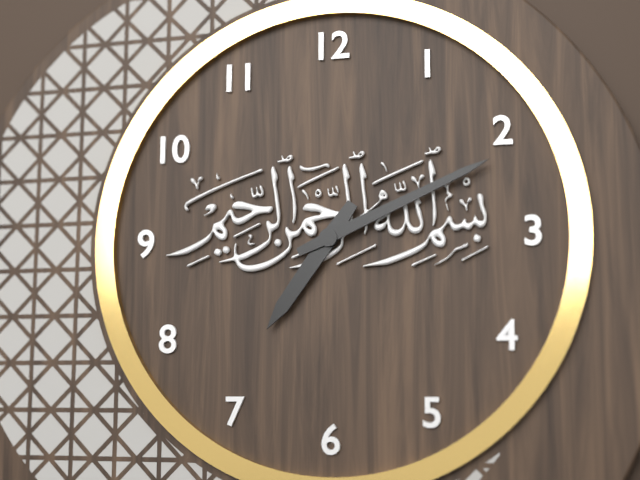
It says 7:11
